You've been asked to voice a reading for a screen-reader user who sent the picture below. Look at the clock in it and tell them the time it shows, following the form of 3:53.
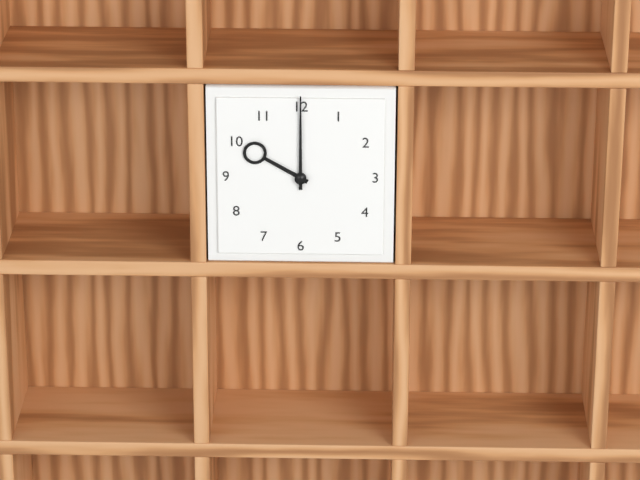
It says 10:00
